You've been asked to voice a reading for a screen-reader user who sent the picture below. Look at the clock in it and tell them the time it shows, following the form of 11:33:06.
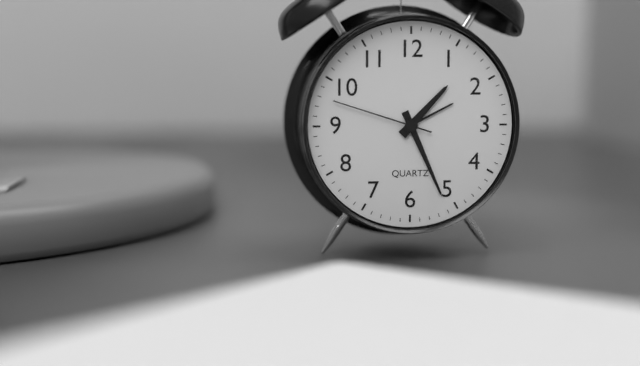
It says 1:26:48
